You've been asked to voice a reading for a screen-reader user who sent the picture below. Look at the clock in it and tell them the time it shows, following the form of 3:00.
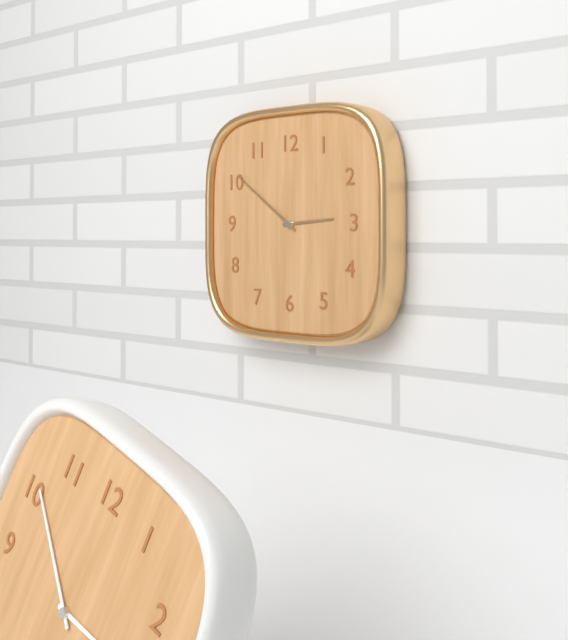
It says 2:51
